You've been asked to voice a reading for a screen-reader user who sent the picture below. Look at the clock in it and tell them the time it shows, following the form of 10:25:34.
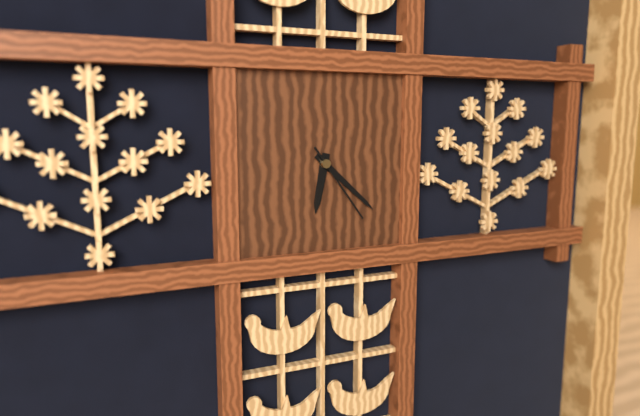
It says 6:22:24
